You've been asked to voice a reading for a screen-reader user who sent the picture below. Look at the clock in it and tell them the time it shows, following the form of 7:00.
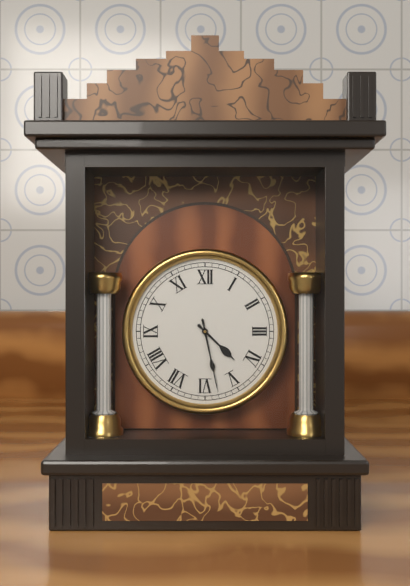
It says 4:28
